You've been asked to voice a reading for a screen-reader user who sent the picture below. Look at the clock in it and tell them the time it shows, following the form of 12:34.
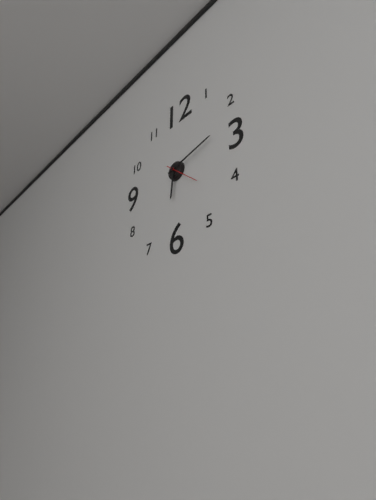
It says 6:13
